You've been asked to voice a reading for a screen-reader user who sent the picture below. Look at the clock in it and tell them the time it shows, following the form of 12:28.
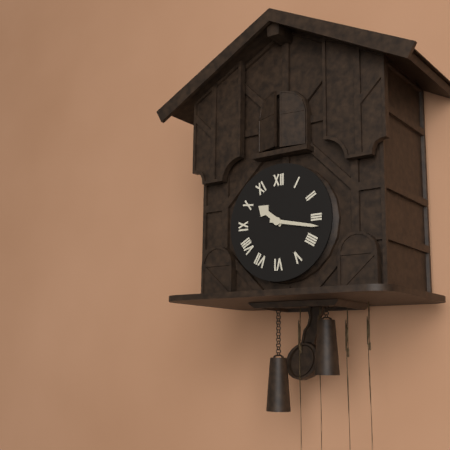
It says 10:17
